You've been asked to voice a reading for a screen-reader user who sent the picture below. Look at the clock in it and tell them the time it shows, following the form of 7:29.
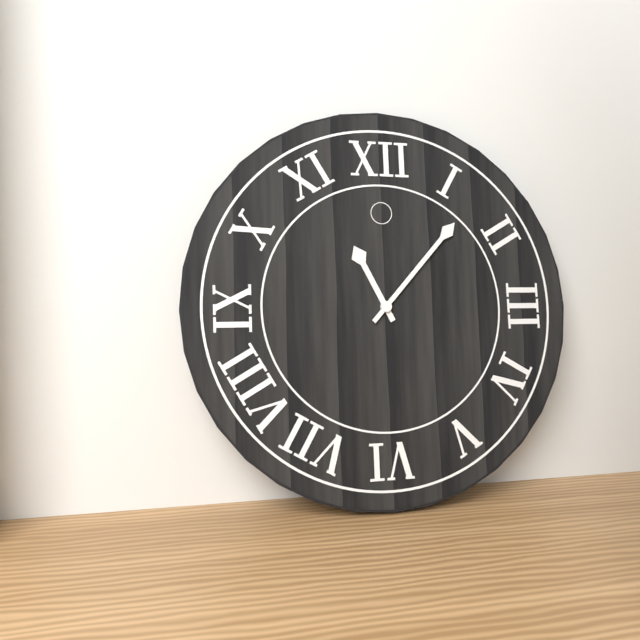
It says 11:07
